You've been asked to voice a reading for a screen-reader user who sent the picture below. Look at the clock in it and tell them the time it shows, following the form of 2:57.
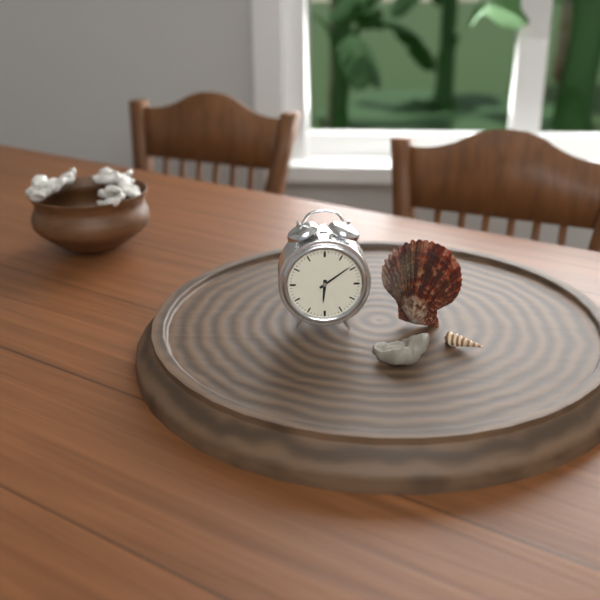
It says 6:09
